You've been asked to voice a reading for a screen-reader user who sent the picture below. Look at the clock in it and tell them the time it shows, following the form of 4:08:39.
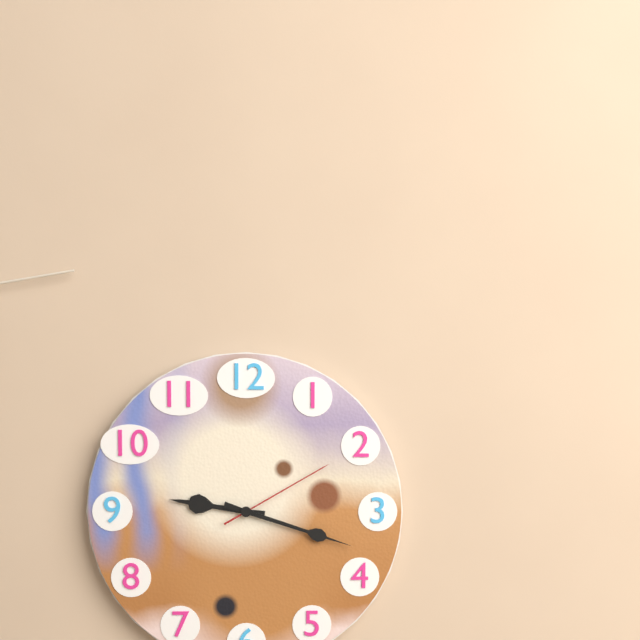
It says 9:18:10
